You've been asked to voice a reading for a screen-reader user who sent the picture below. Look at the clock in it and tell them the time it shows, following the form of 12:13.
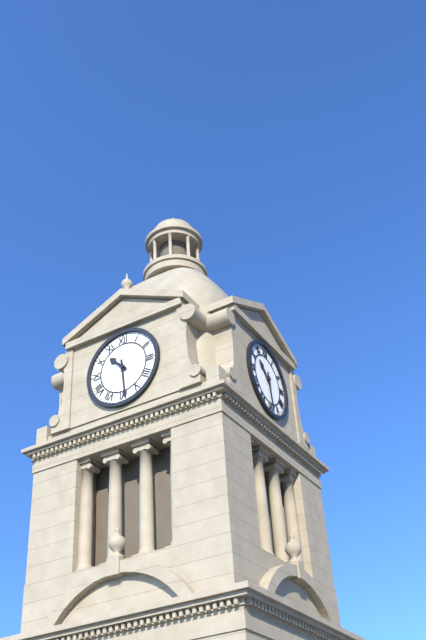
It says 10:29
